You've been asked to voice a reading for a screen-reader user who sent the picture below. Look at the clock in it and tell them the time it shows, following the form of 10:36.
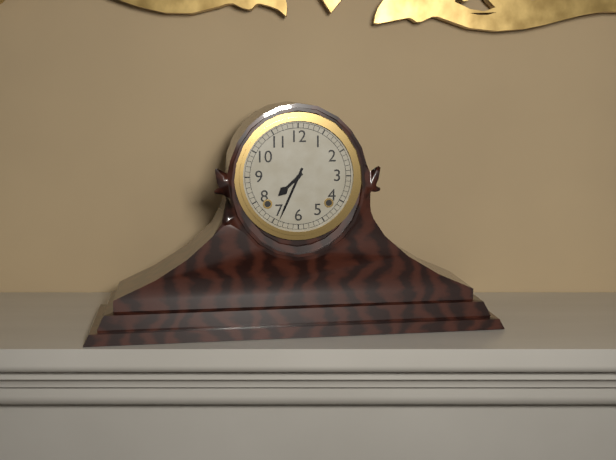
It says 7:34
